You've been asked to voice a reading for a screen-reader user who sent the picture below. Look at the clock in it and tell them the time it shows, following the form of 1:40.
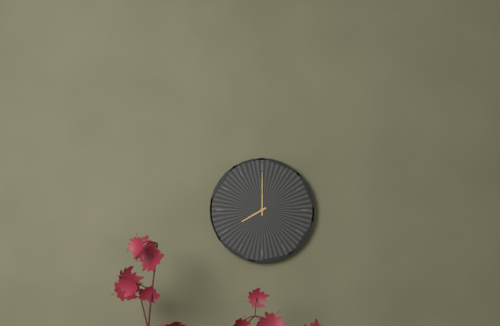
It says 8:00
